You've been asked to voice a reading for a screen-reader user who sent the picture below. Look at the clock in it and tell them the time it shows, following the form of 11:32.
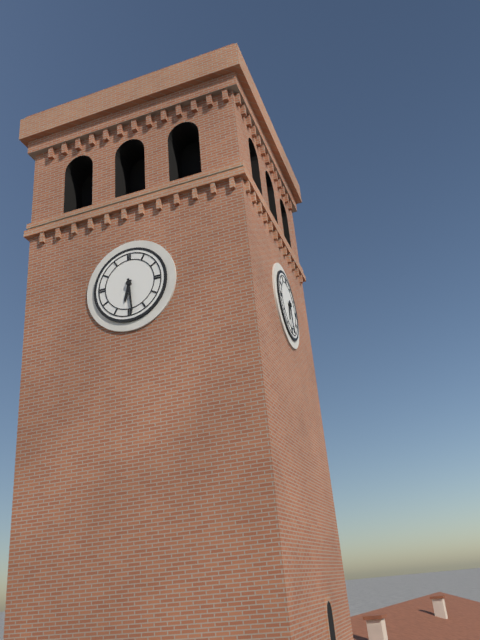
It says 6:29
